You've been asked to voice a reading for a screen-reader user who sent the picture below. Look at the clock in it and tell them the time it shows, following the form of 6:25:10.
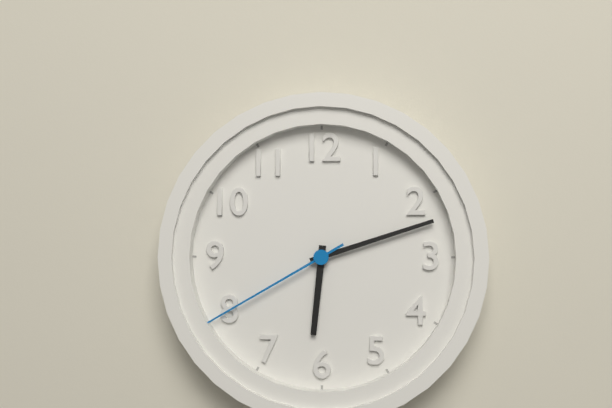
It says 6:12:40
